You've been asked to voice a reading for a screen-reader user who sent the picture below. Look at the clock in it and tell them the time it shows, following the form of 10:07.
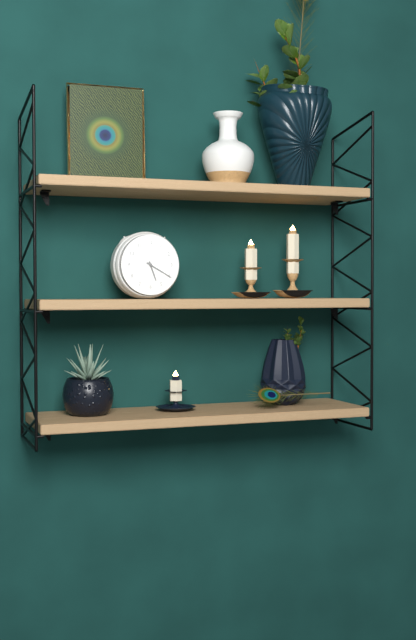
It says 5:20
